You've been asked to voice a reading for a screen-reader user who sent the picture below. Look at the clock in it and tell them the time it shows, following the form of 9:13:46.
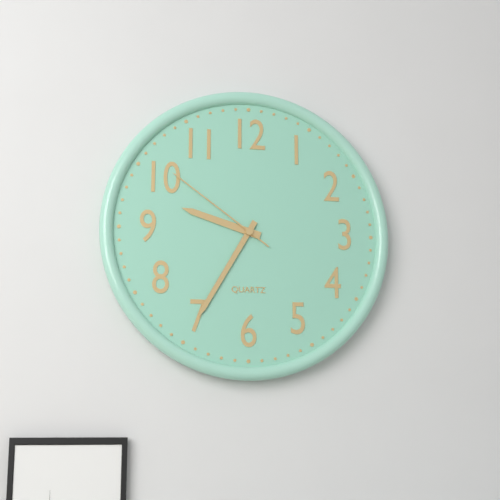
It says 9:35:51
